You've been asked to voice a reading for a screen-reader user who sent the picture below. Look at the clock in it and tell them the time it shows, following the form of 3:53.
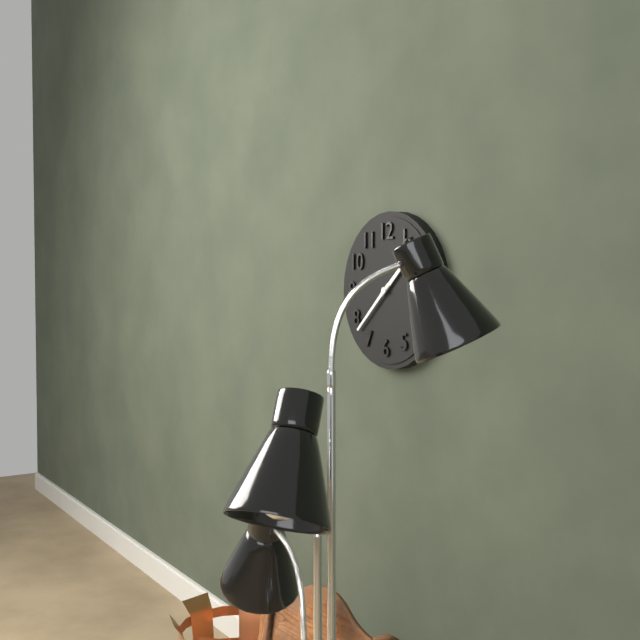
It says 1:38
